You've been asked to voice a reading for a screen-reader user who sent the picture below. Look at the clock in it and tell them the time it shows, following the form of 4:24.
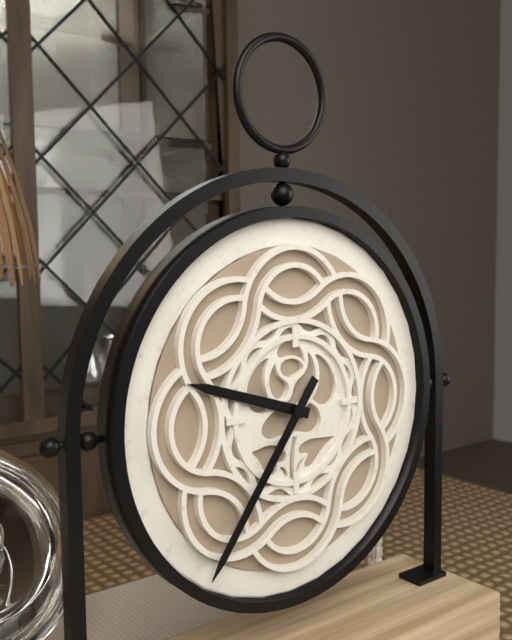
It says 9:36
